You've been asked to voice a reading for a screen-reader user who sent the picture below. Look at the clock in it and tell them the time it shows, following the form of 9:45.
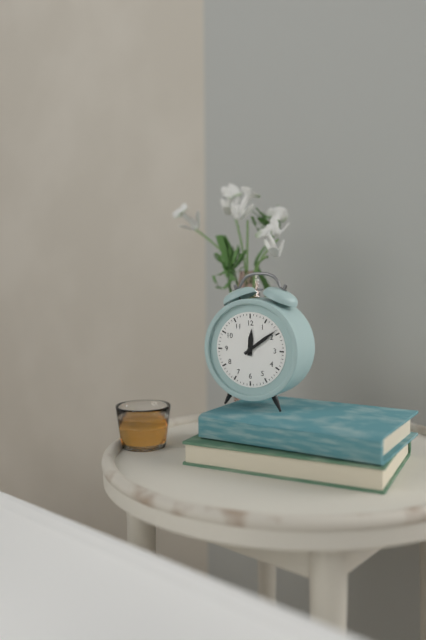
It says 12:09
